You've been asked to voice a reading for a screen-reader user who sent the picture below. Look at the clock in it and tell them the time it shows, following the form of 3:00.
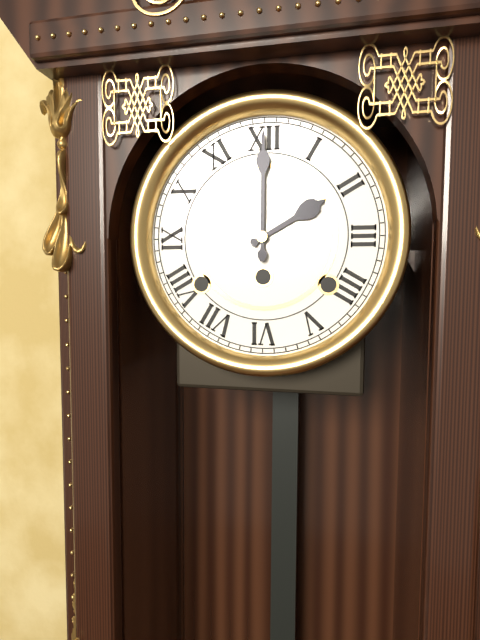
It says 2:00
